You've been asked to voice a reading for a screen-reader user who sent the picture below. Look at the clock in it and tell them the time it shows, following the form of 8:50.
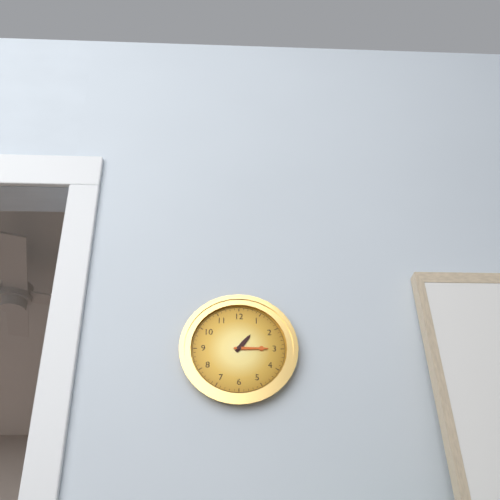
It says 1:15
